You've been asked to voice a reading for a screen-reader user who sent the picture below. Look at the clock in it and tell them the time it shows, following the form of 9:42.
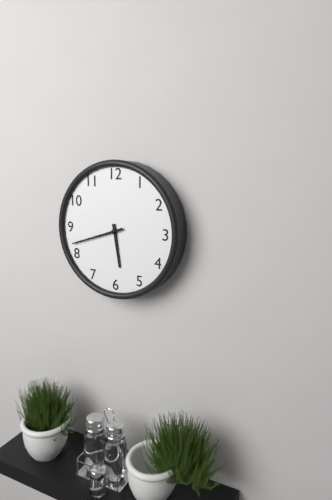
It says 5:42
